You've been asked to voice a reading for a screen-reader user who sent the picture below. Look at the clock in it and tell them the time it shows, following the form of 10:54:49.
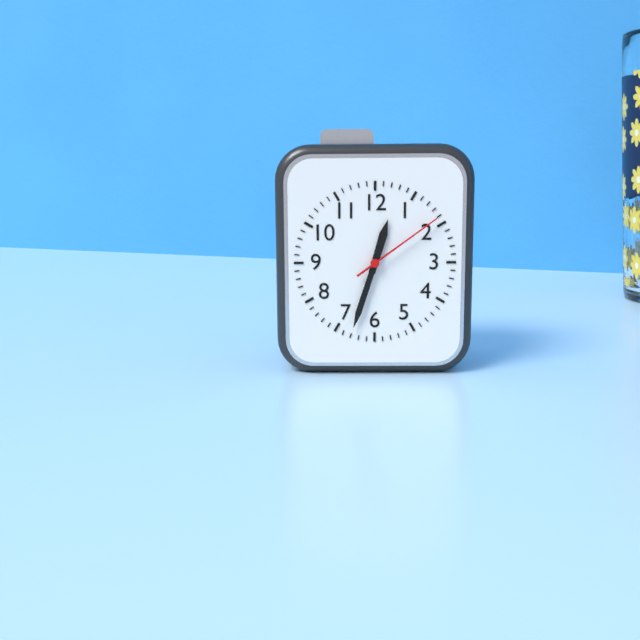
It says 12:33:09
